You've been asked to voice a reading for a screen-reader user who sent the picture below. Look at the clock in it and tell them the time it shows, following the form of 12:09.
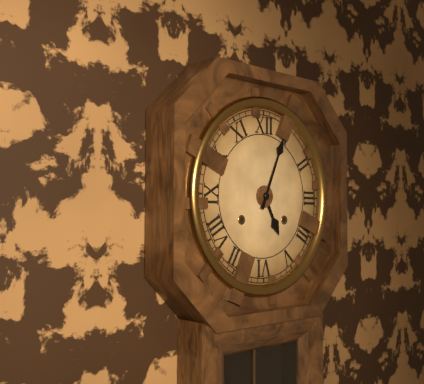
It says 5:04
